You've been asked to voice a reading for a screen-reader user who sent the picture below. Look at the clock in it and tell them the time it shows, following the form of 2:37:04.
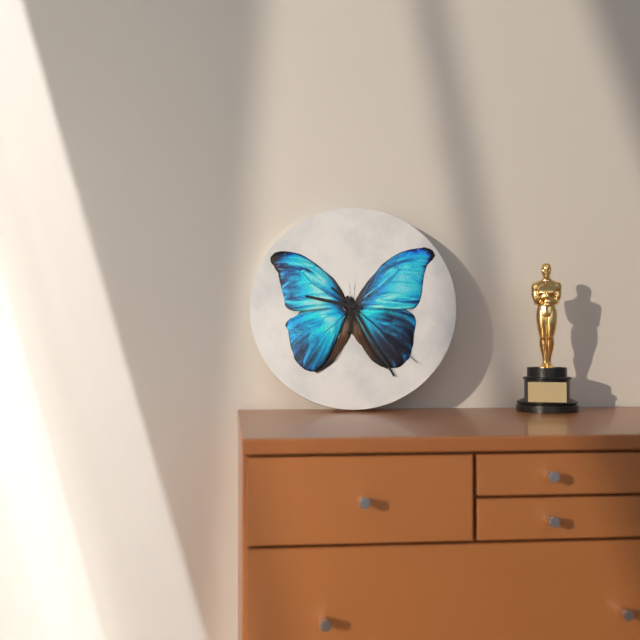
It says 9:25:22
